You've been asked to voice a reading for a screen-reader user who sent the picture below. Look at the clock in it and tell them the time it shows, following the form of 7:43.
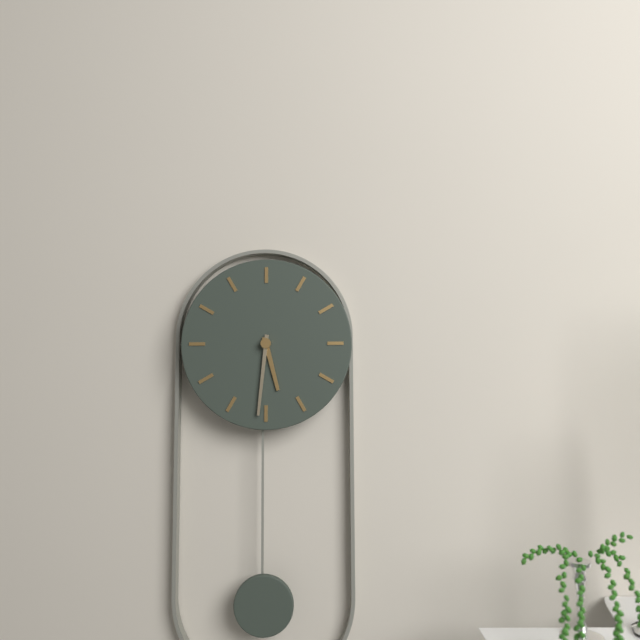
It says 5:31
